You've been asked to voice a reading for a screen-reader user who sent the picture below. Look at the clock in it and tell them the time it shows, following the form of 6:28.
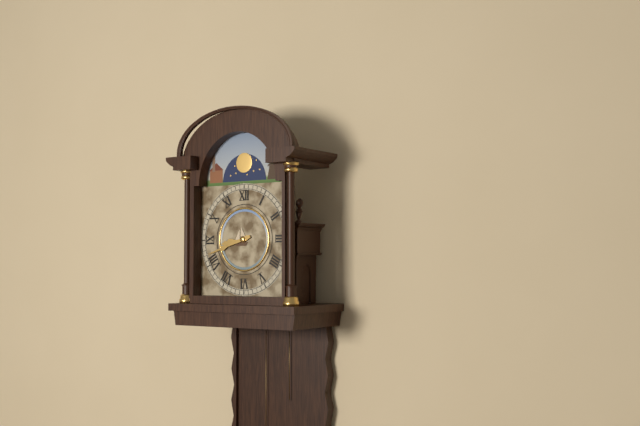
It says 8:42
